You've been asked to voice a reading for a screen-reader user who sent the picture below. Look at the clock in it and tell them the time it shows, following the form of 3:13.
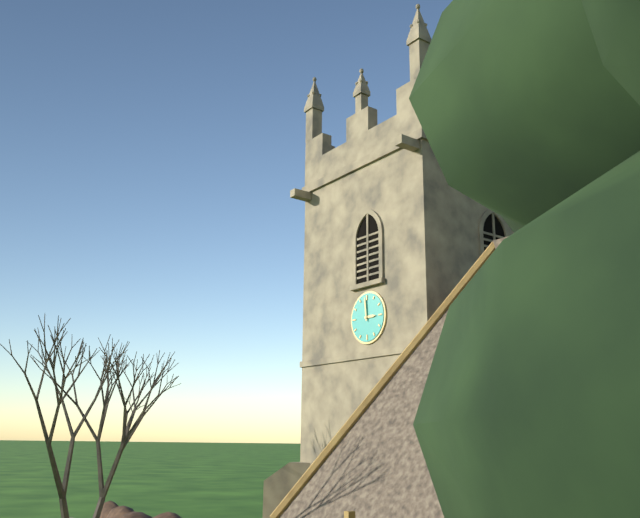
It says 2:59
